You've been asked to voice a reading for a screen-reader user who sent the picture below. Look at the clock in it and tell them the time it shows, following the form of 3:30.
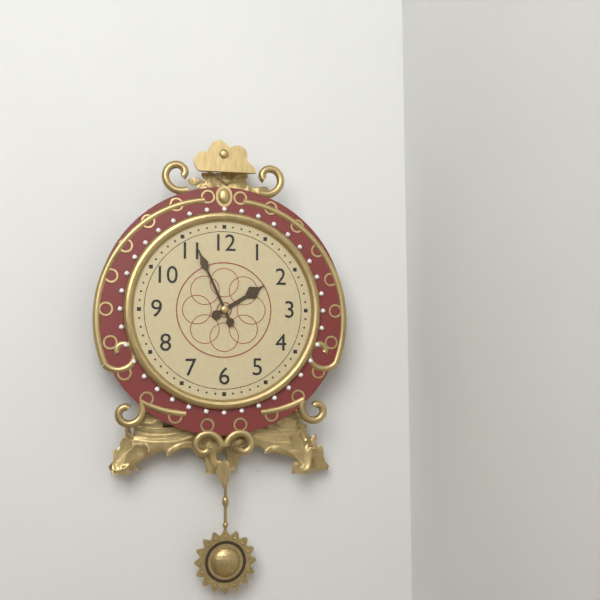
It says 1:56
